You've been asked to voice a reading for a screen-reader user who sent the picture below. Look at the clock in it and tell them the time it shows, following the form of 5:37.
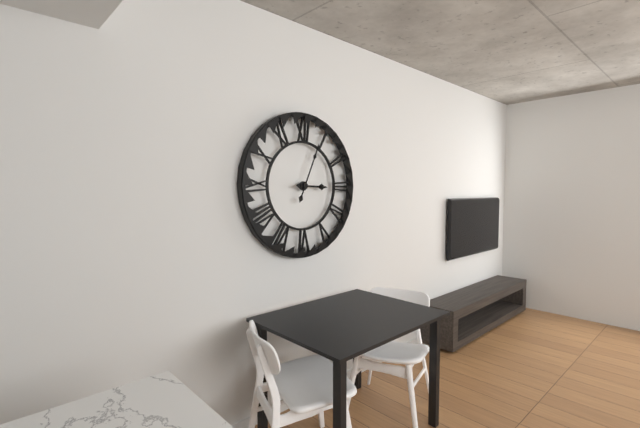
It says 3:04
